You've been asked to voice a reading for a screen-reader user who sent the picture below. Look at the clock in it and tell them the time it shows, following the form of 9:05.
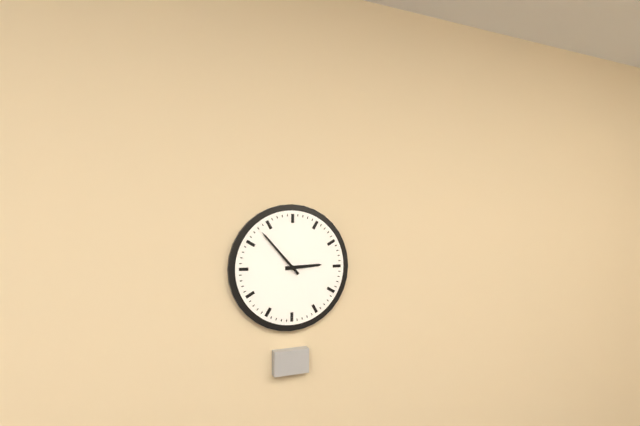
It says 2:53
